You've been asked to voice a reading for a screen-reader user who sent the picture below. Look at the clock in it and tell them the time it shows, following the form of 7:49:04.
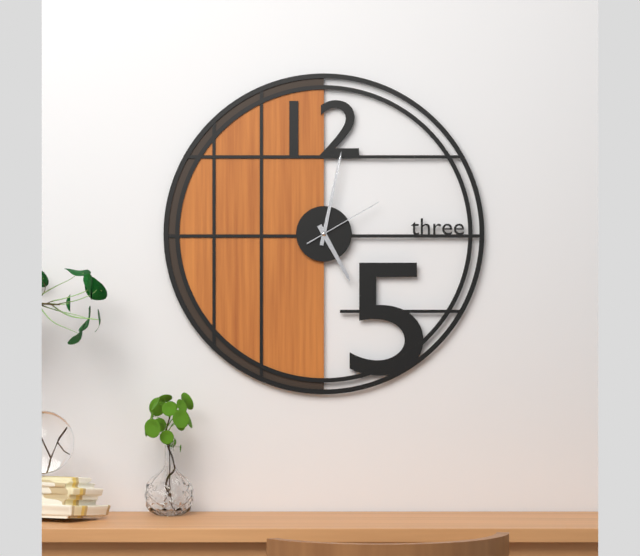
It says 5:02:10
